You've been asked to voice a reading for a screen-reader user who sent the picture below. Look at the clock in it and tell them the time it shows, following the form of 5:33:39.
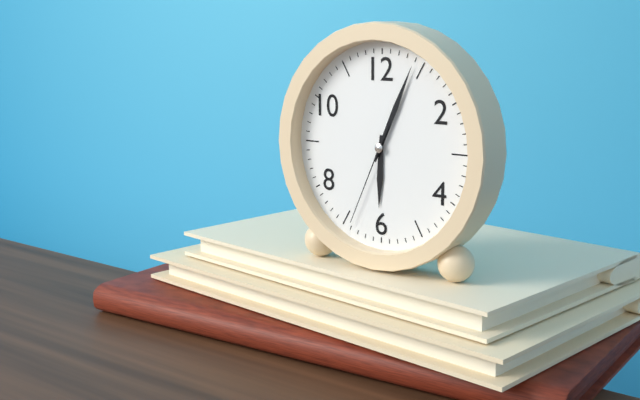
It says 6:04:34
